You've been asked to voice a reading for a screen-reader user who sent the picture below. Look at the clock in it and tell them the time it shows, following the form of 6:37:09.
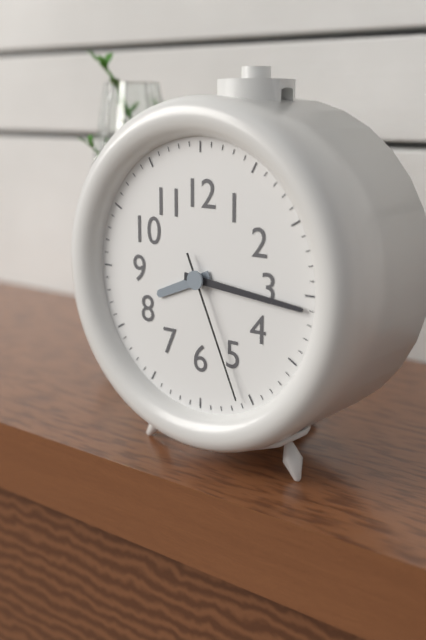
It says 8:16:26
